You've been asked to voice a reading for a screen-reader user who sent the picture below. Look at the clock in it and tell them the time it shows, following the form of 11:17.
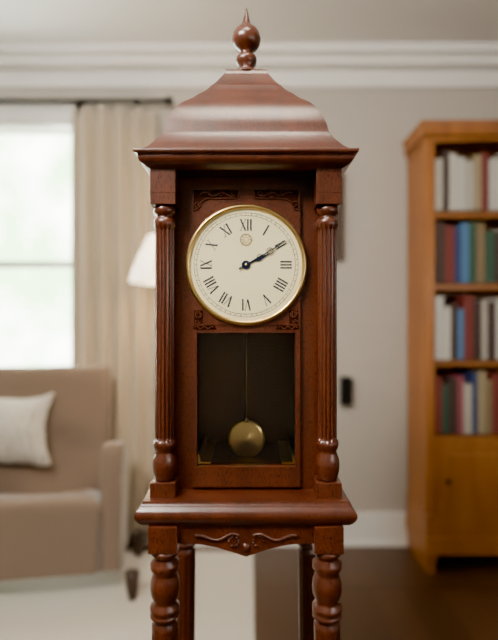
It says 2:10
